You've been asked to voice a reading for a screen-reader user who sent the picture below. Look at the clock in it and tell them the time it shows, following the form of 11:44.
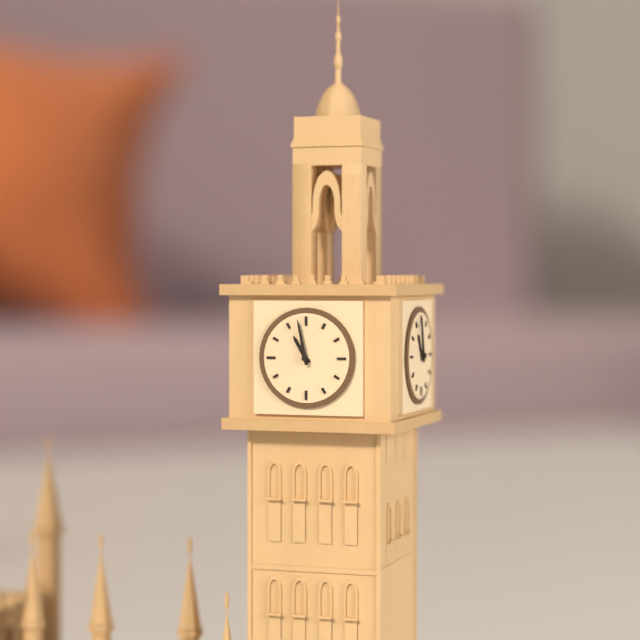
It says 10:58
